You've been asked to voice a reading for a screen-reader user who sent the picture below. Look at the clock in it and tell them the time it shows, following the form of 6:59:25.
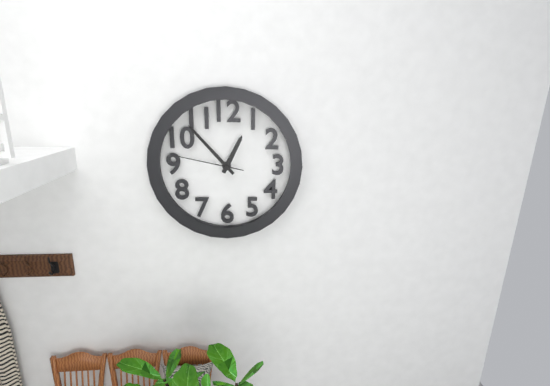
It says 12:53:47
